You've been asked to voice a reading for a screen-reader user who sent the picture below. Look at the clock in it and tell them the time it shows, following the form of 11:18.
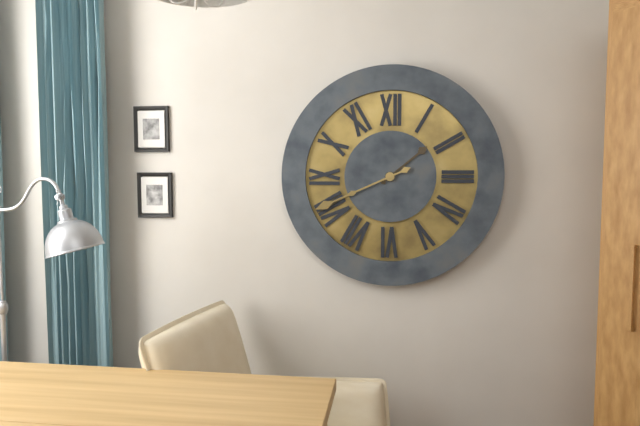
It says 1:41
